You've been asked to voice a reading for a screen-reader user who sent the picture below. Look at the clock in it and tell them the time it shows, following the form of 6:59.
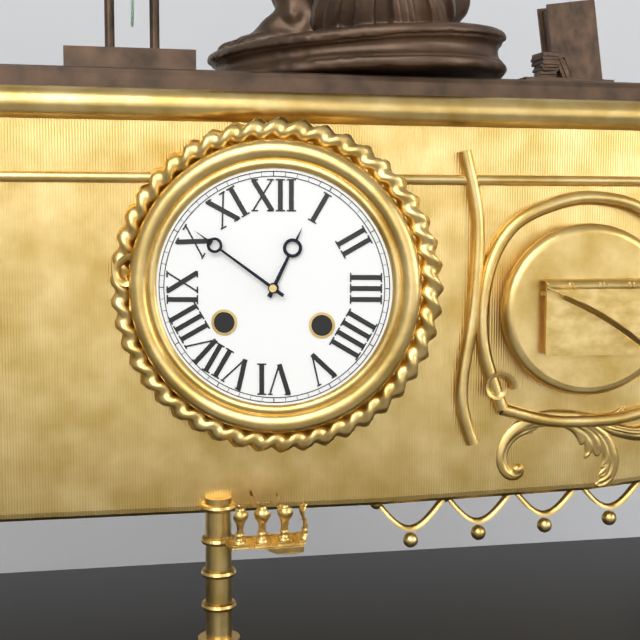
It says 12:51
